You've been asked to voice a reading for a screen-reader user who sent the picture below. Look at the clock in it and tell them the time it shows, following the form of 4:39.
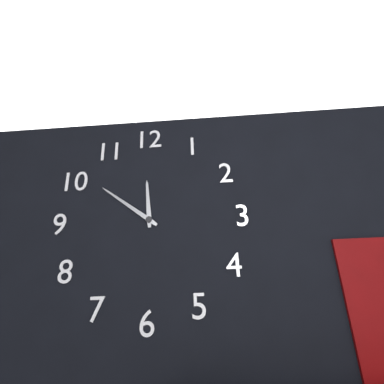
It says 11:51
